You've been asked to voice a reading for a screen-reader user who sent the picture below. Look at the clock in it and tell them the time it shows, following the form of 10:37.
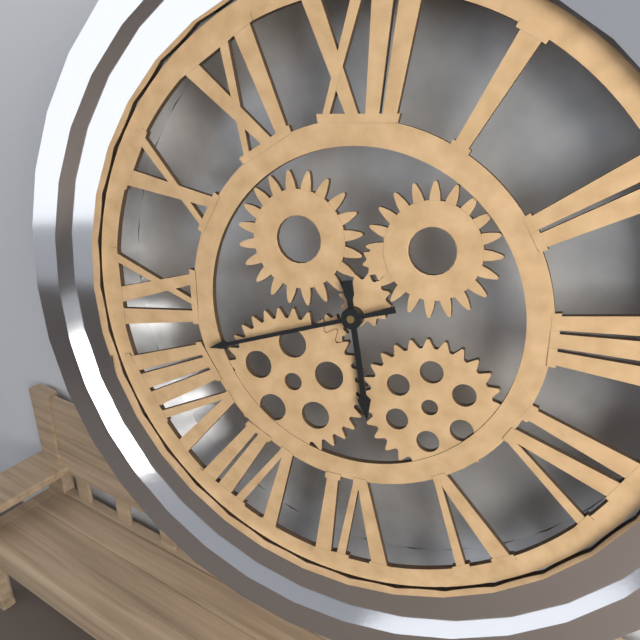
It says 5:42
